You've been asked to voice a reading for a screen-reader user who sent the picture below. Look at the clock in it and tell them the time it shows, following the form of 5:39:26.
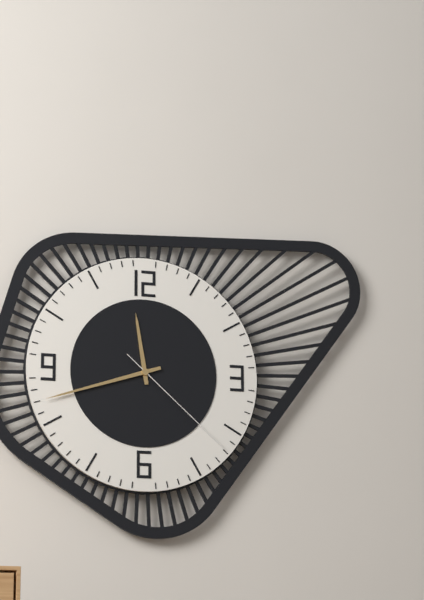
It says 11:42:22
